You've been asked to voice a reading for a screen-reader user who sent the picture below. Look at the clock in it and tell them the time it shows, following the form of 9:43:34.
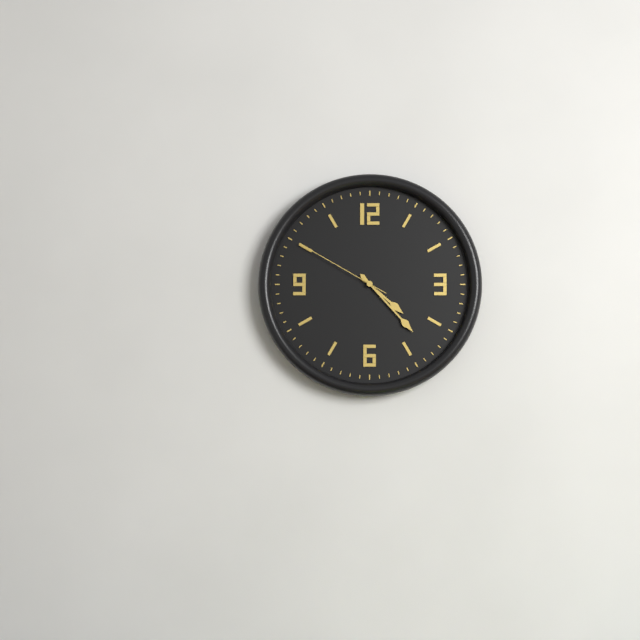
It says 4:23:50
